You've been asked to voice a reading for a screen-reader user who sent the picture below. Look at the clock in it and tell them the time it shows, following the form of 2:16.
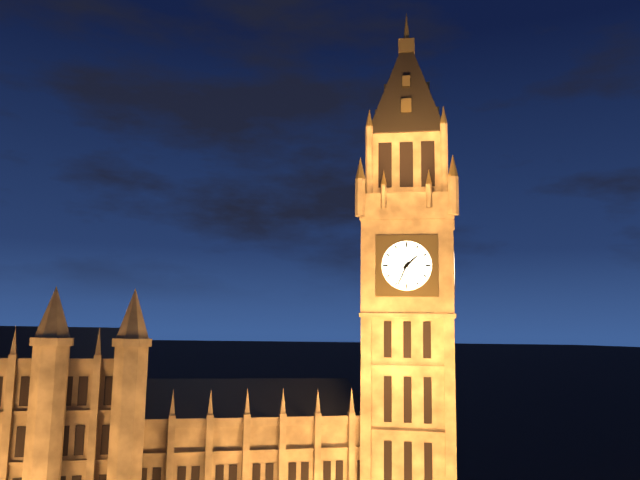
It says 1:34
